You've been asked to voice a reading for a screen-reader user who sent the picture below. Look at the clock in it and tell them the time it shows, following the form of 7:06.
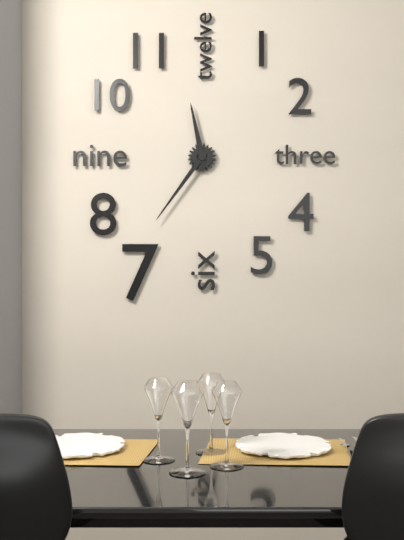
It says 11:36
